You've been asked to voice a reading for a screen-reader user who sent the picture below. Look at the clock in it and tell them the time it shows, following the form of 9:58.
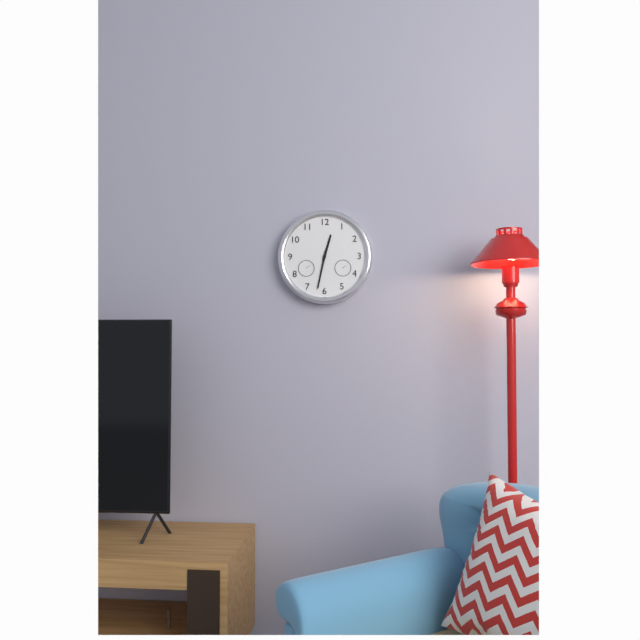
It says 12:32
